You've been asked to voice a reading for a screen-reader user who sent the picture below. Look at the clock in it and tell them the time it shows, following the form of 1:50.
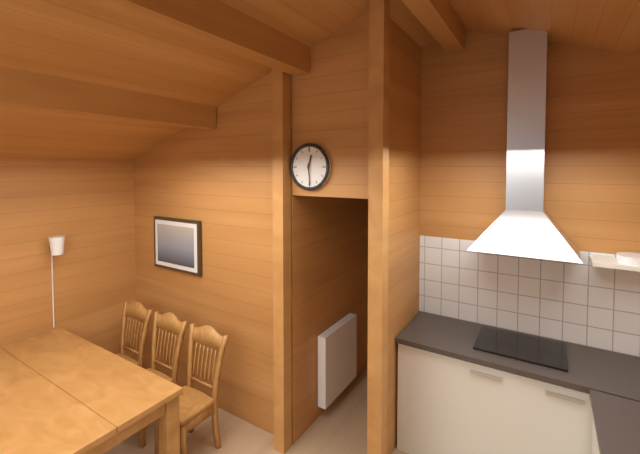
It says 12:29
